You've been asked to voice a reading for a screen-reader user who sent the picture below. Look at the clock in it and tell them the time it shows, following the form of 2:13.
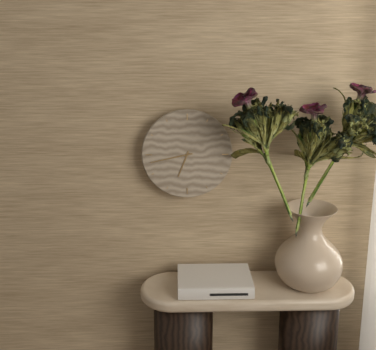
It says 6:43
